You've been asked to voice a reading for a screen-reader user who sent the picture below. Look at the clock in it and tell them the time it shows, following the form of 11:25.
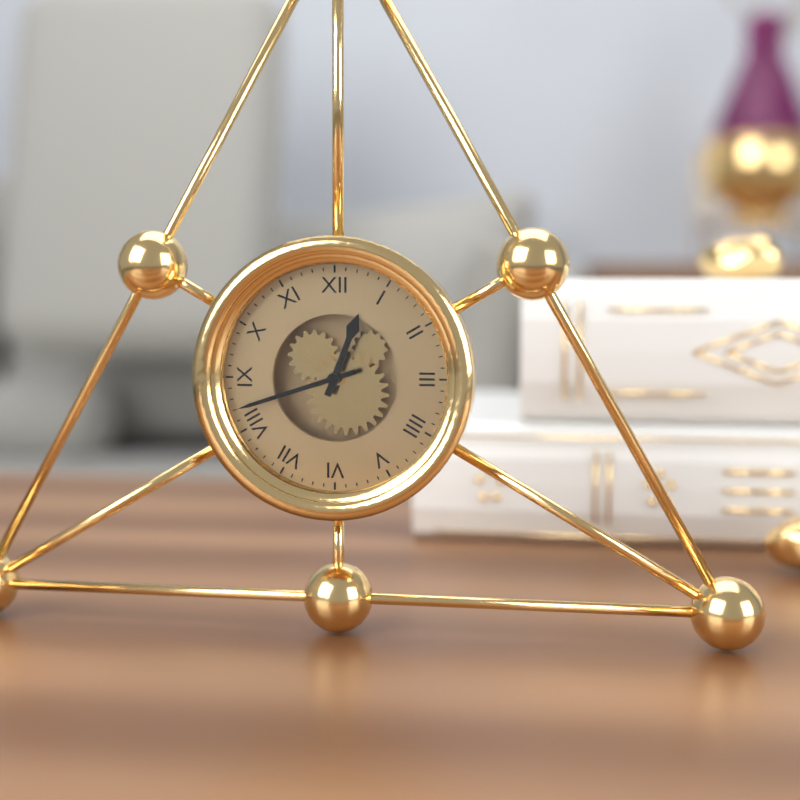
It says 12:42
